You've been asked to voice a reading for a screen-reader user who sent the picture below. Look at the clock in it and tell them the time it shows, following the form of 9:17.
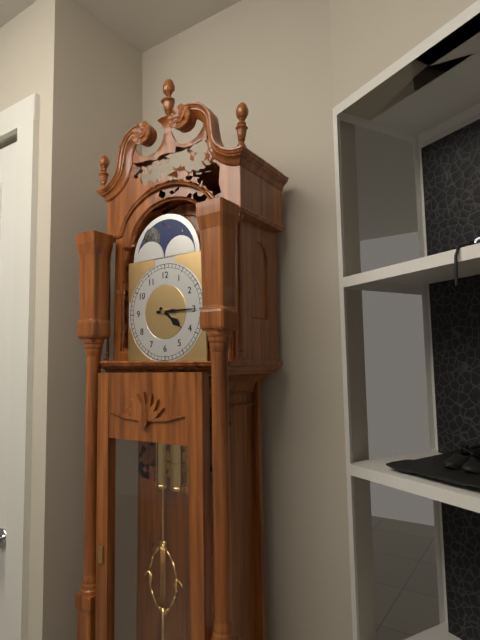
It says 4:15
